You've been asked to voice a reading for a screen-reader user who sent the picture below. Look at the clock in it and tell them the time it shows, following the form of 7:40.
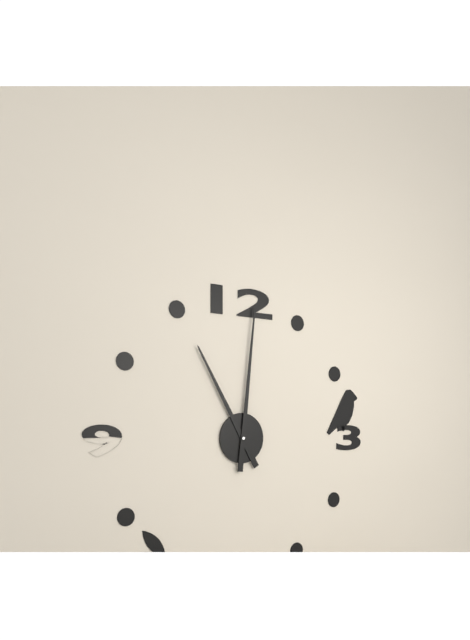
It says 11:01
